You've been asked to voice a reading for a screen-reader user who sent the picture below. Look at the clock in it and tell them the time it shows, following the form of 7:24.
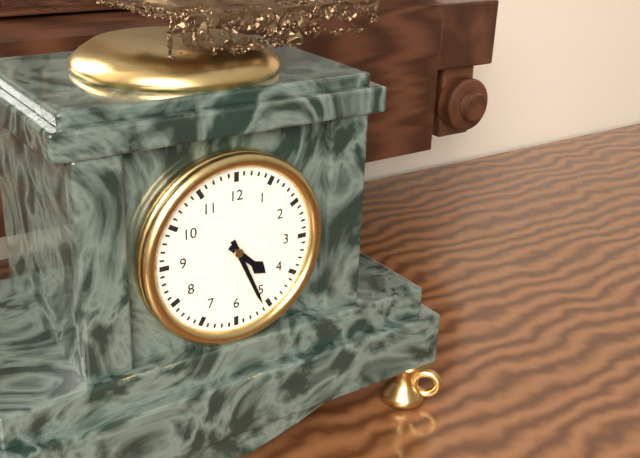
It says 4:26
